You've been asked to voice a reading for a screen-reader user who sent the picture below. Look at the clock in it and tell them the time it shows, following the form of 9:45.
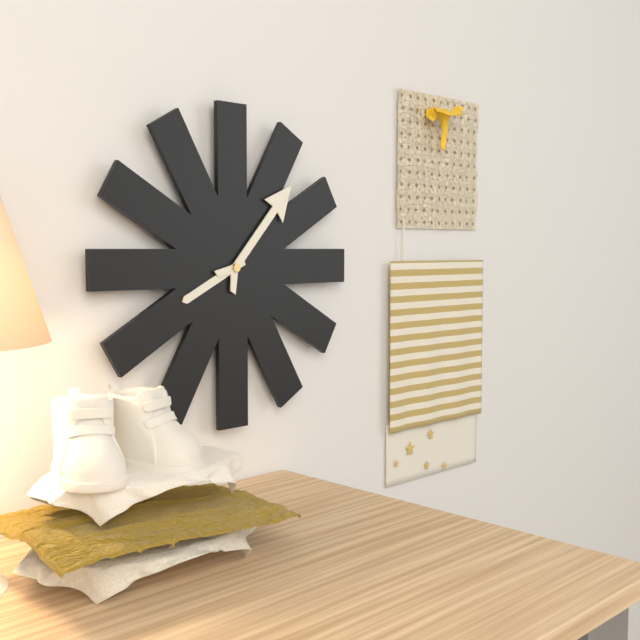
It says 8:07
